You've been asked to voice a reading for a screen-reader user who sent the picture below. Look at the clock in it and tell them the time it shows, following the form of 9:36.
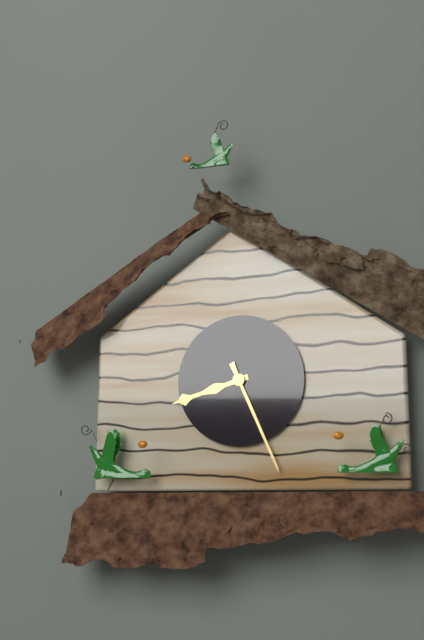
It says 8:26
